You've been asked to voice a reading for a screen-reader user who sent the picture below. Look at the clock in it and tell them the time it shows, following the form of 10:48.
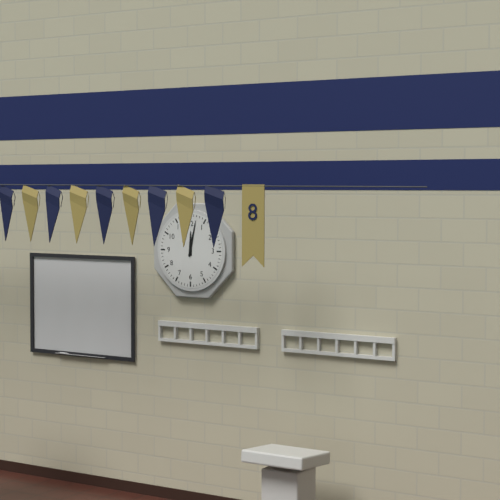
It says 12:02
